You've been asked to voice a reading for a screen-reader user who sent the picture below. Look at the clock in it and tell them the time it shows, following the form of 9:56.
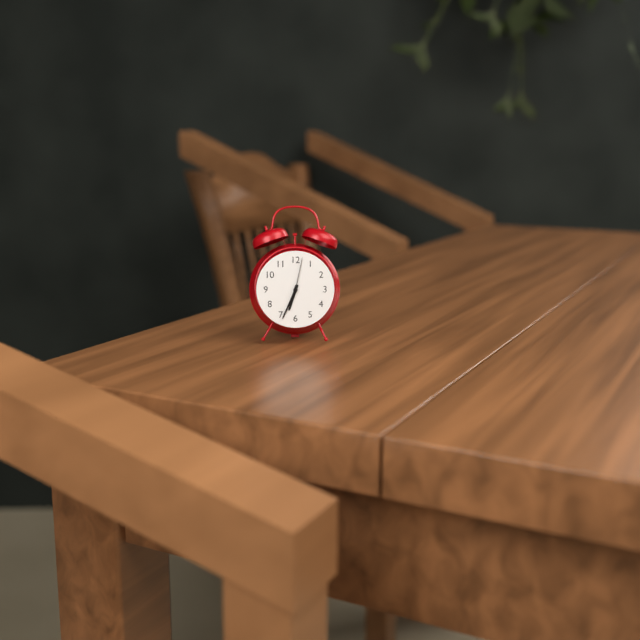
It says 6:34
